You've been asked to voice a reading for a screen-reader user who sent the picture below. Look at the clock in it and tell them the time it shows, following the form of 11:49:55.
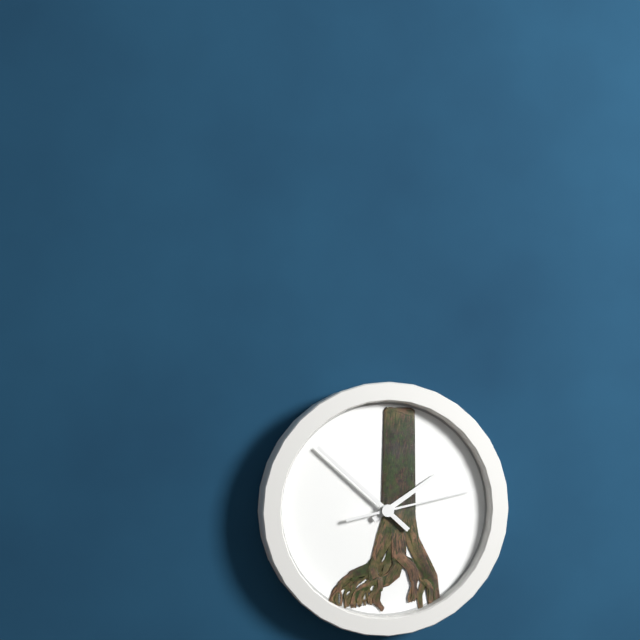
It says 1:52:13
